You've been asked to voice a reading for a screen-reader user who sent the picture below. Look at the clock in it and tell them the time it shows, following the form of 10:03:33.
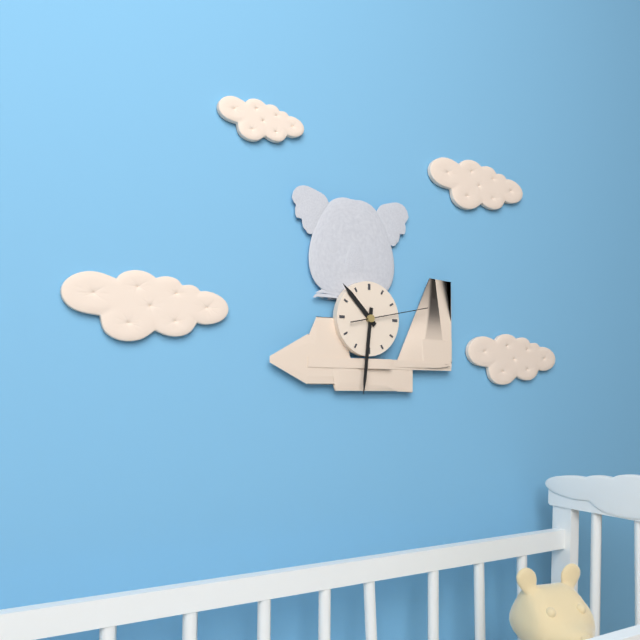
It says 10:31:13
